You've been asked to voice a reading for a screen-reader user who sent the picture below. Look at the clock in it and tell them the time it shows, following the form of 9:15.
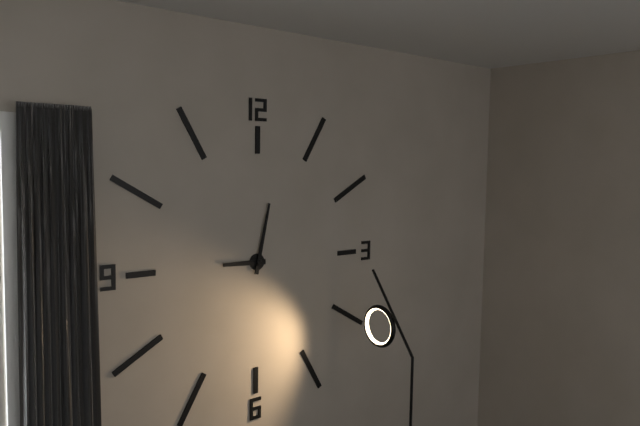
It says 9:02
